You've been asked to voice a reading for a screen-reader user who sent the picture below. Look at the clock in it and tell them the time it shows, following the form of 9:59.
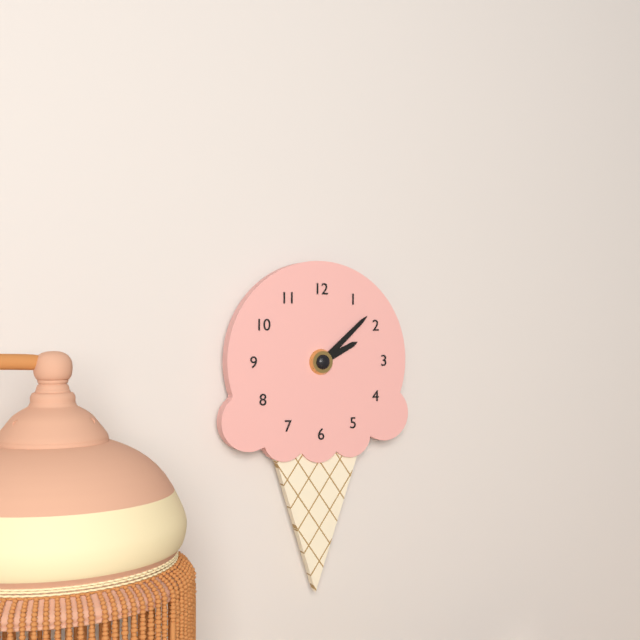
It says 2:08
